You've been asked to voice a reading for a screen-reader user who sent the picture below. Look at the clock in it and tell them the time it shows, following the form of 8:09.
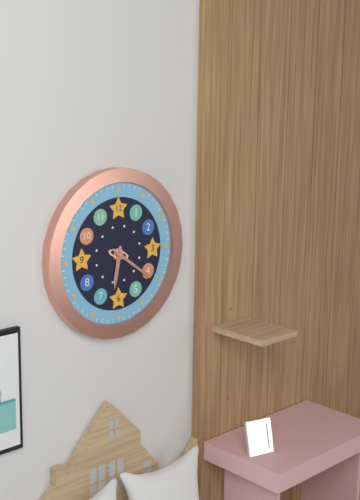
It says 6:21
